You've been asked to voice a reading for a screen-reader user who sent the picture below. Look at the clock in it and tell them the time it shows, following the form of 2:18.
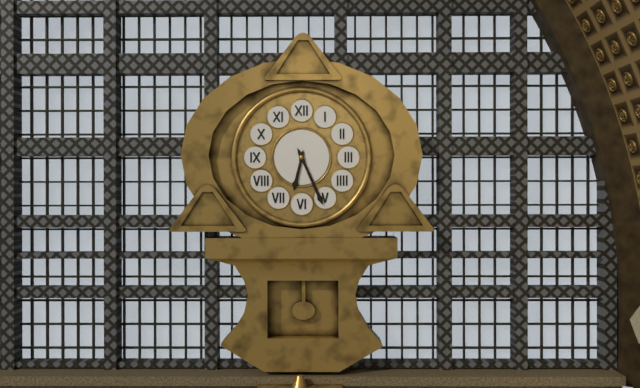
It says 6:26
